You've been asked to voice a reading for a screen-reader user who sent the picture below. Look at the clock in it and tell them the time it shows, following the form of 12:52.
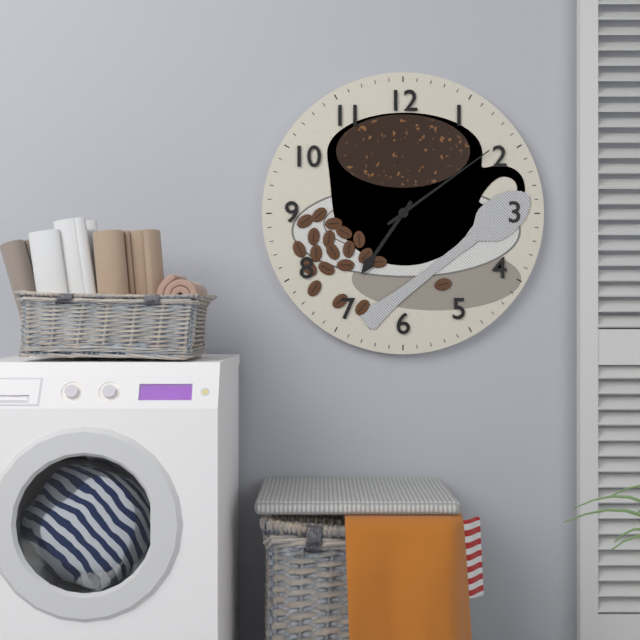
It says 7:09
